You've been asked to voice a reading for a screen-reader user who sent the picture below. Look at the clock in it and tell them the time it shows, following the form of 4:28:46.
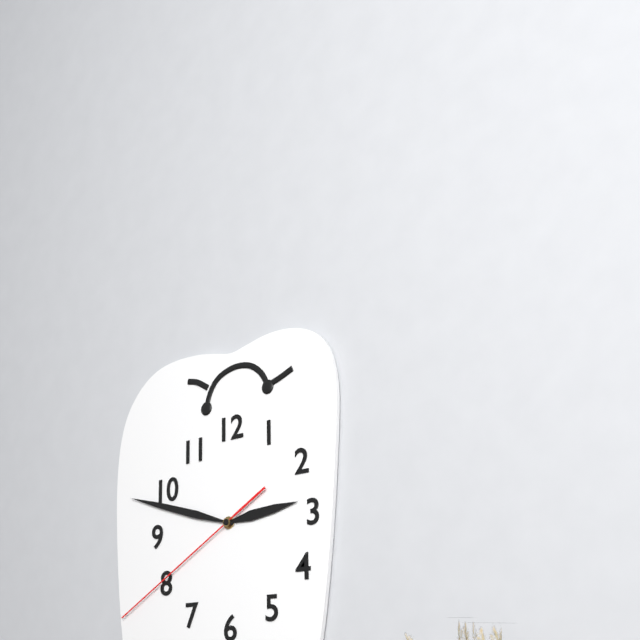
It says 2:48:40
